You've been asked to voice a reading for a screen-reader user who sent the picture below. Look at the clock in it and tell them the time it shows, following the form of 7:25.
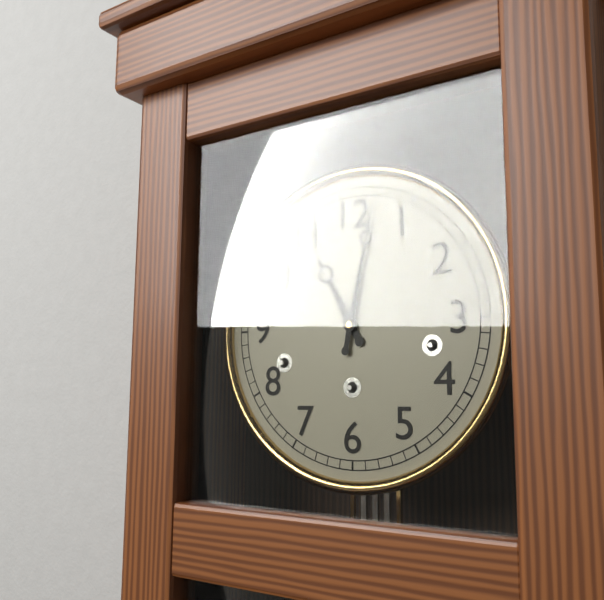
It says 11:02
